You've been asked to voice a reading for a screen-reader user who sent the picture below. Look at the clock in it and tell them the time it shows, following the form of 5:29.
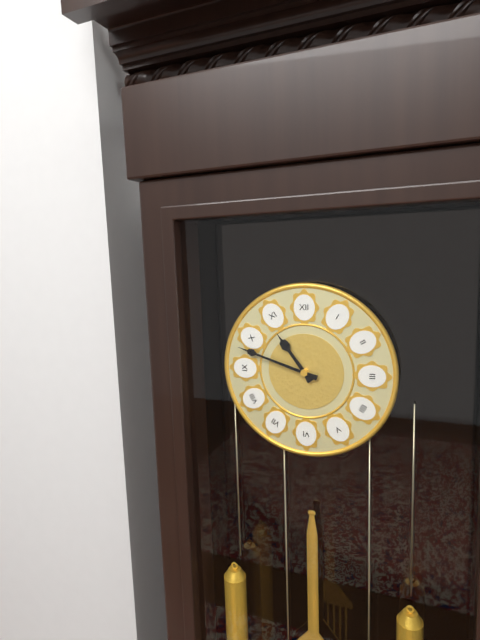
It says 10:48
